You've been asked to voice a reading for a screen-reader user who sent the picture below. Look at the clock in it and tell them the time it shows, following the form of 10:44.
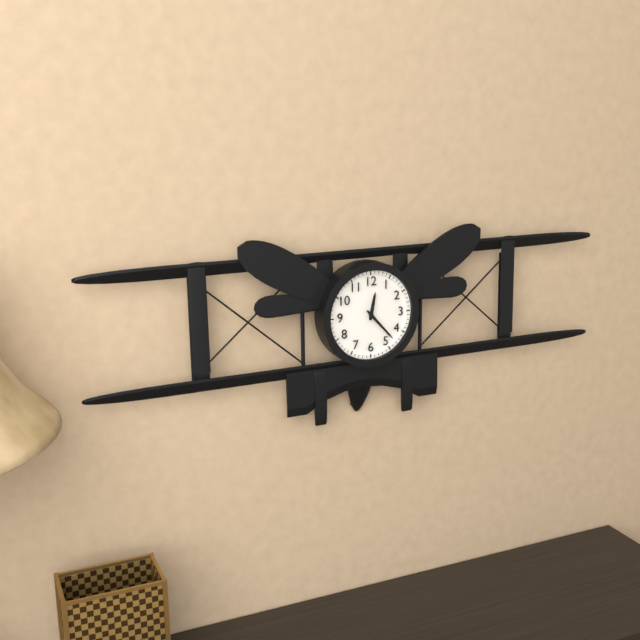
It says 12:23
